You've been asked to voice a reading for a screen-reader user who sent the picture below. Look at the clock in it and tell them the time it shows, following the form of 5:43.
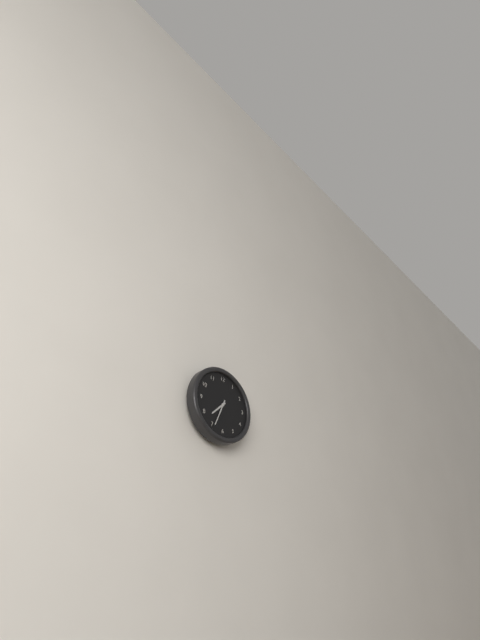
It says 7:34
